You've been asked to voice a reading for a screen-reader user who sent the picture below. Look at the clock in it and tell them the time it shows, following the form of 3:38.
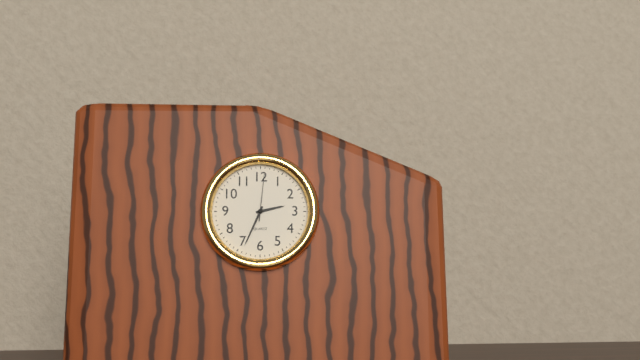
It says 2:34
